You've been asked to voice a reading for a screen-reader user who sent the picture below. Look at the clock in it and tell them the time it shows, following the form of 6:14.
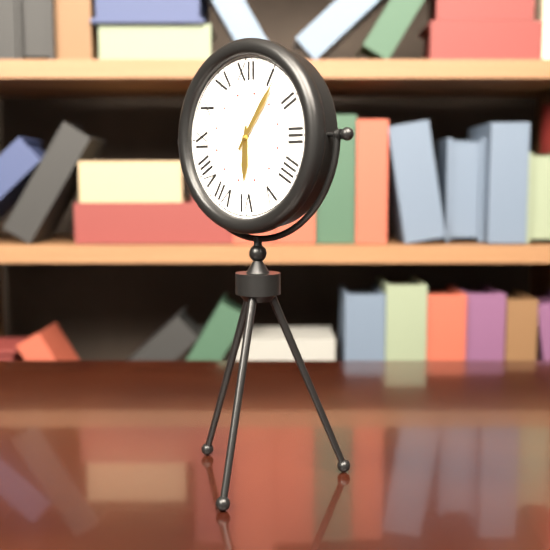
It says 6:06
